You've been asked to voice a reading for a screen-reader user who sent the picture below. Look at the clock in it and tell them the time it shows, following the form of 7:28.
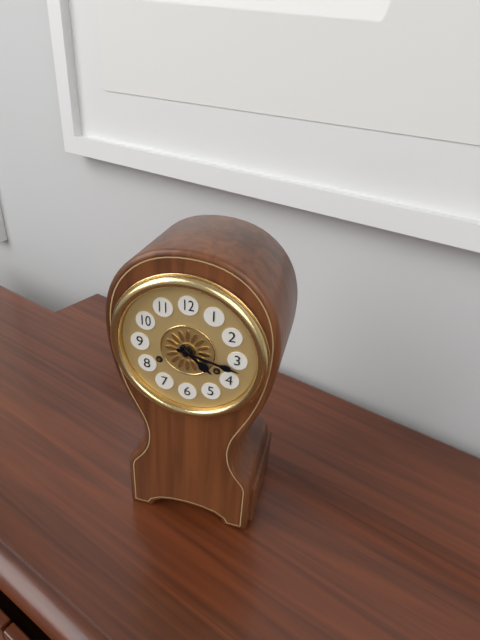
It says 4:17
